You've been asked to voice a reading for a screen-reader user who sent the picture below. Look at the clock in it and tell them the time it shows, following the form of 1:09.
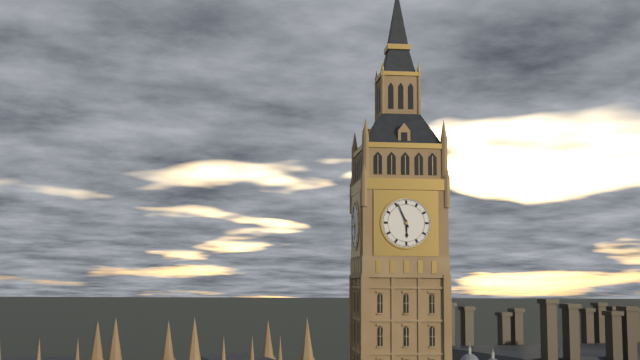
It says 5:56
